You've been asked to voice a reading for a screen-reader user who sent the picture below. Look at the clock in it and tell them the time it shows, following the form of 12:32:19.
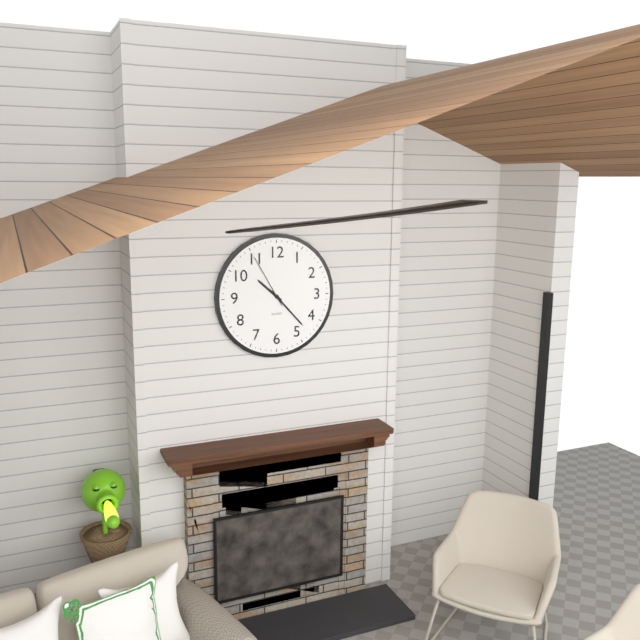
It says 10:23:55
